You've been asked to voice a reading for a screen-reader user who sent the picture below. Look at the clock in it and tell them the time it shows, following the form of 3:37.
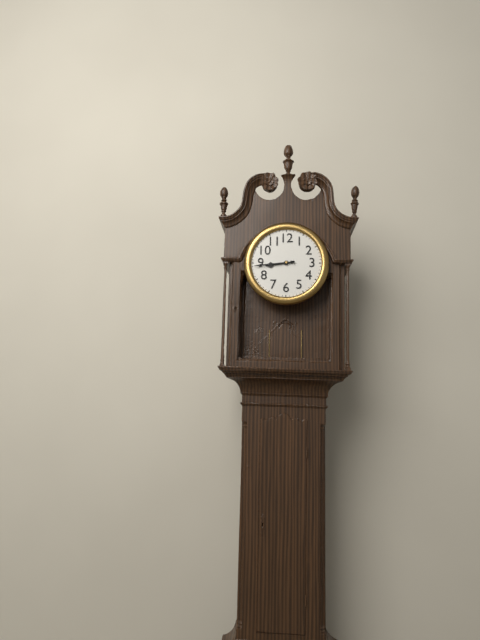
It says 8:44
